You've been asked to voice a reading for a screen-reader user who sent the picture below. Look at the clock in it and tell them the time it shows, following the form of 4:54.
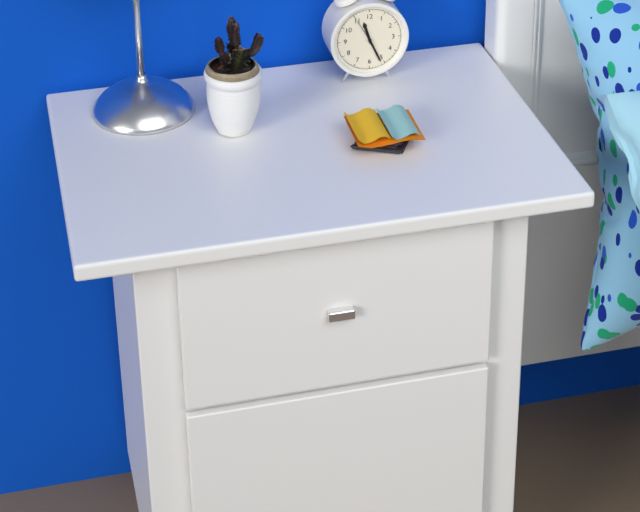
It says 11:26
